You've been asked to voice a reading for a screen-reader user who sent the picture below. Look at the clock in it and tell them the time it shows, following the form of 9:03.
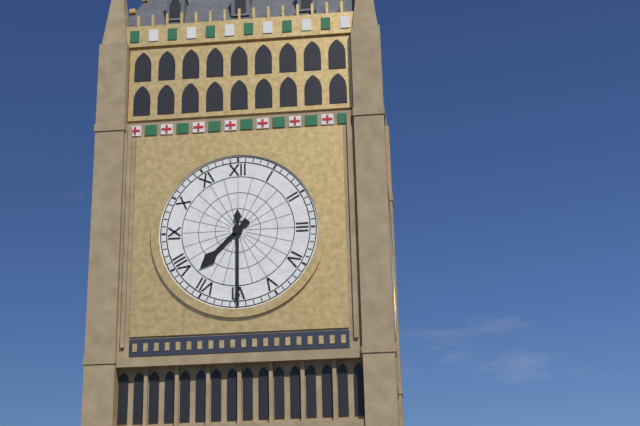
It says 7:30
